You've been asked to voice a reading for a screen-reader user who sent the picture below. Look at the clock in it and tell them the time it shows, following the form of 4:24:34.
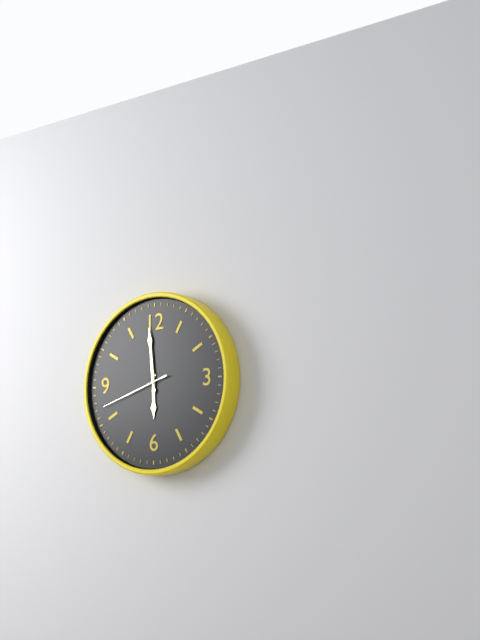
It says 5:59:42
